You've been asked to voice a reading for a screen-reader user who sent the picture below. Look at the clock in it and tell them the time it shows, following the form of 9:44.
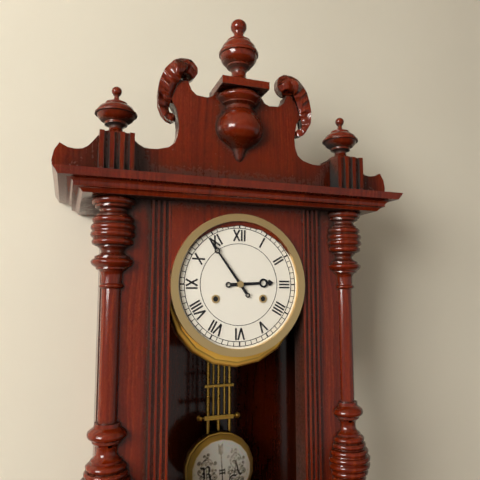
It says 2:54
